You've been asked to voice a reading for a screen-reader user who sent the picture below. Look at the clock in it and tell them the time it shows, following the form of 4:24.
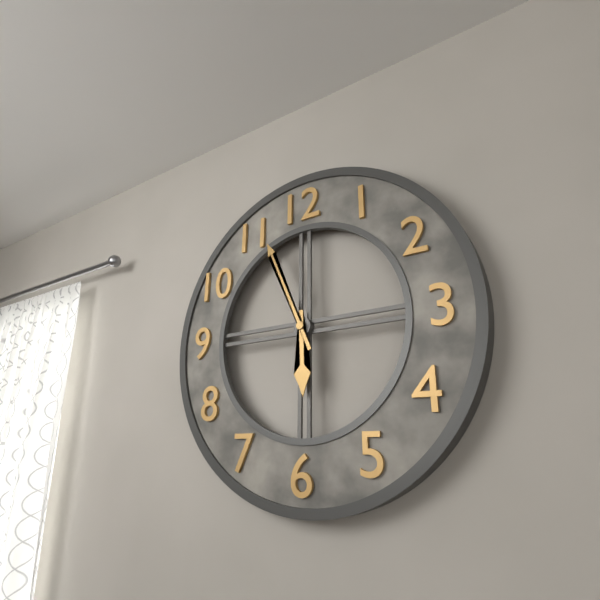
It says 5:56
